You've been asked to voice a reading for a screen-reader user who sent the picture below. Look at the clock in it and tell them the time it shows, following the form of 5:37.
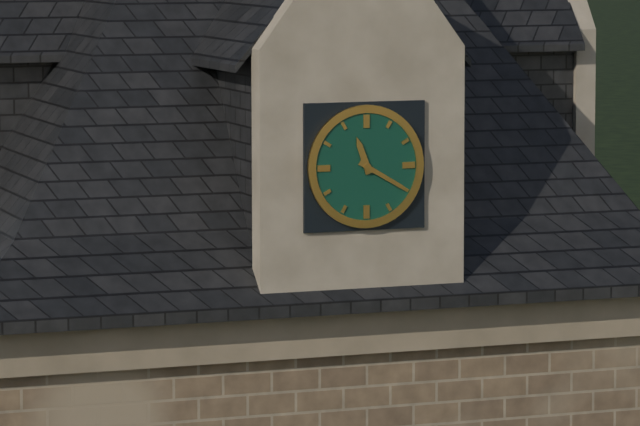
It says 11:20
